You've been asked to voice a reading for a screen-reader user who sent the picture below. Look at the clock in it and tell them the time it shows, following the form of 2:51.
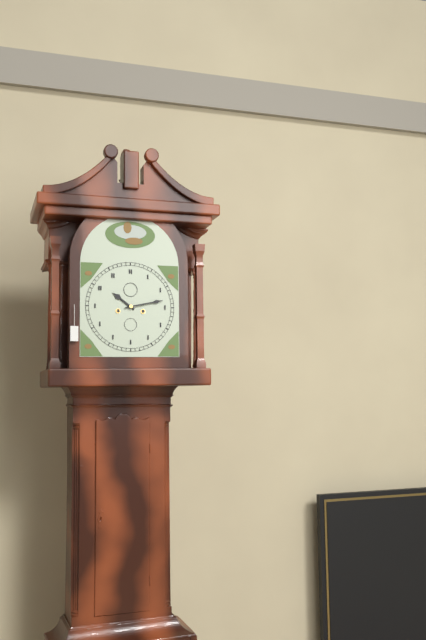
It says 10:13
